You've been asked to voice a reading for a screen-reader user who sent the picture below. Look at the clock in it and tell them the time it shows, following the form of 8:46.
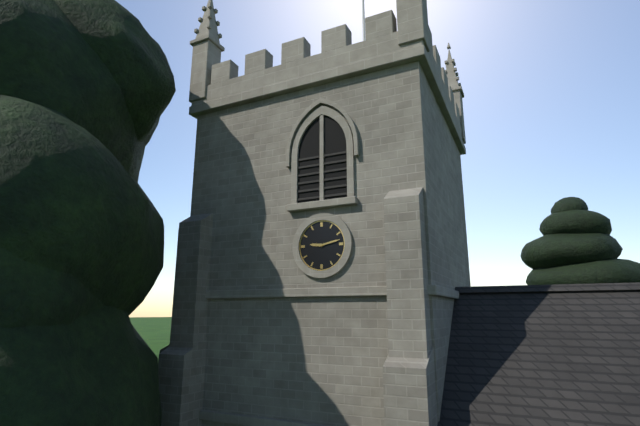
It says 9:13
